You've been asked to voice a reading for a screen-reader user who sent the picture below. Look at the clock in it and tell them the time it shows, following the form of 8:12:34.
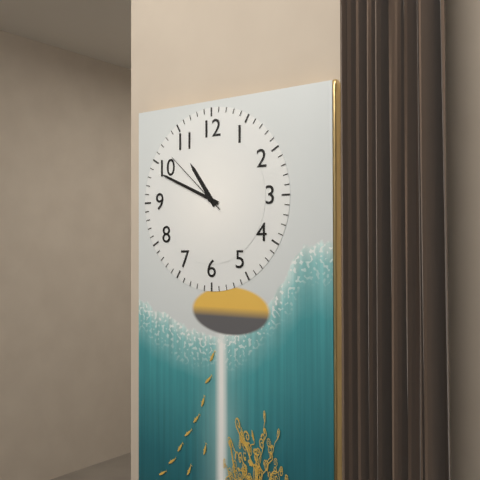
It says 10:49:52
